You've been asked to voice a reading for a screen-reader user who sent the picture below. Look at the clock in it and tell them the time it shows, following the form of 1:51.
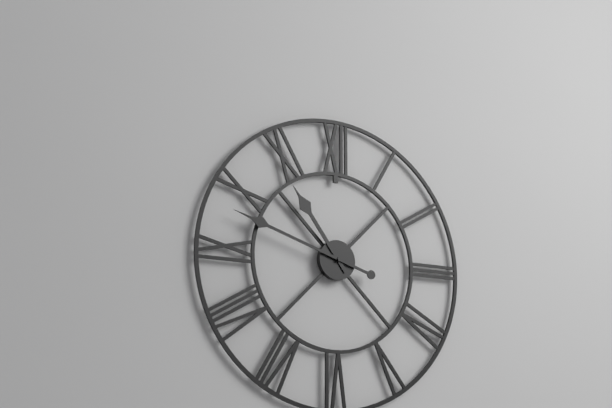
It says 10:48
